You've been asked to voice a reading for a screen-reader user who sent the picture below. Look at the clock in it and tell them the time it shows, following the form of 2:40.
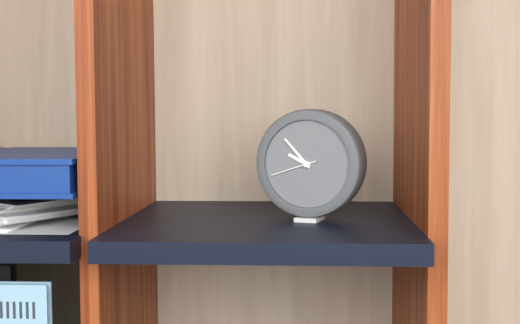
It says 9:53
